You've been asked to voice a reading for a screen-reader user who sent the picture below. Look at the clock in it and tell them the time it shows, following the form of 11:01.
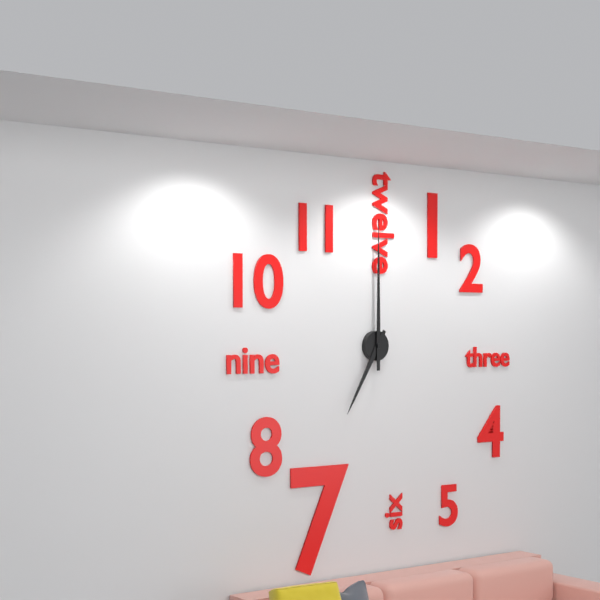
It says 7:00
